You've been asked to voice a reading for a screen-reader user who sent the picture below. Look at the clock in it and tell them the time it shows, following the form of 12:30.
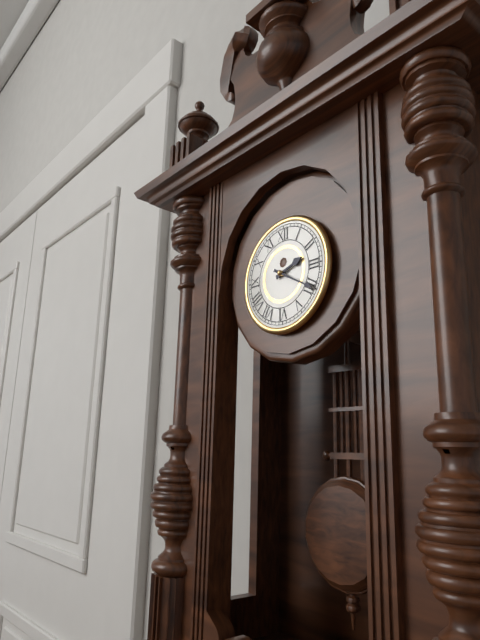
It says 2:20
